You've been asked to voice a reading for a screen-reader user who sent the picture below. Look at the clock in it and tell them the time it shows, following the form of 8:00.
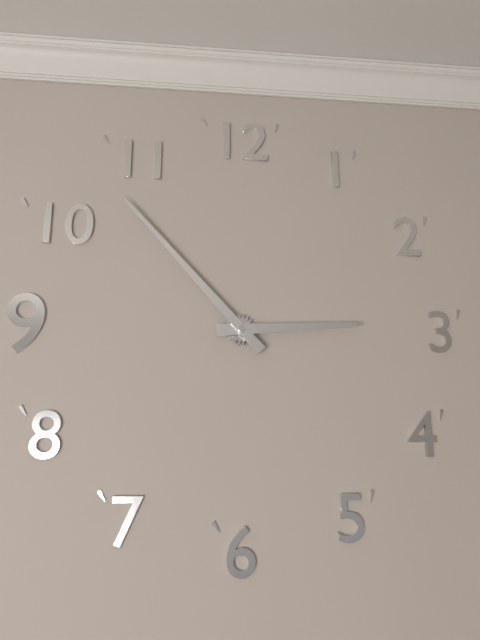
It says 2:53
